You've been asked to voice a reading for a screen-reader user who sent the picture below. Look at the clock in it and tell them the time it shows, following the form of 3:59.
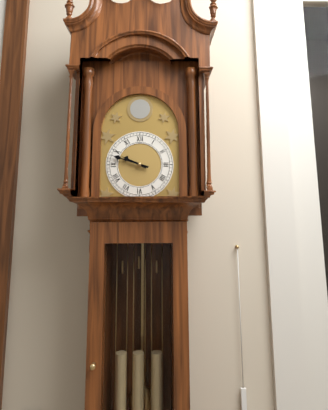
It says 9:48
